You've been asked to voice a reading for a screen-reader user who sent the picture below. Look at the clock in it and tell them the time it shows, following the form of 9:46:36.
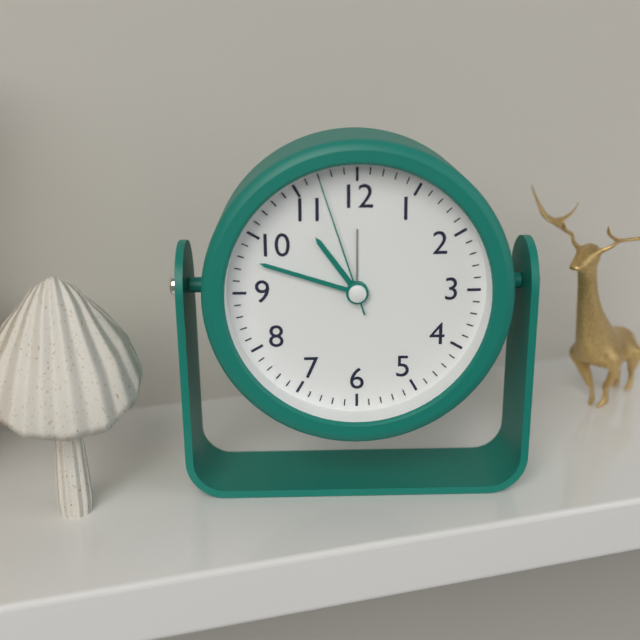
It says 10:48:57
